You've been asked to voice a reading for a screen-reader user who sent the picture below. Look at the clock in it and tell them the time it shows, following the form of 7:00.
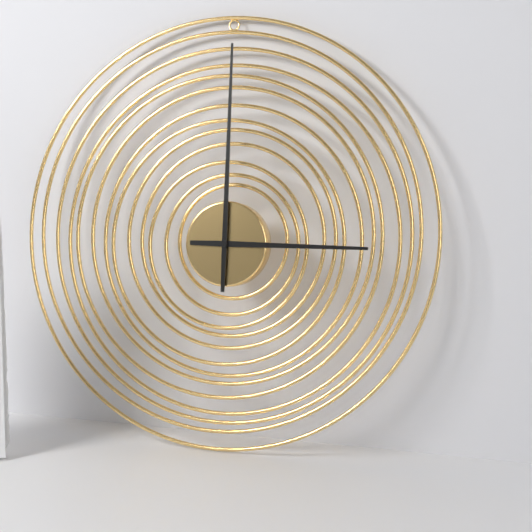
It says 3:00
